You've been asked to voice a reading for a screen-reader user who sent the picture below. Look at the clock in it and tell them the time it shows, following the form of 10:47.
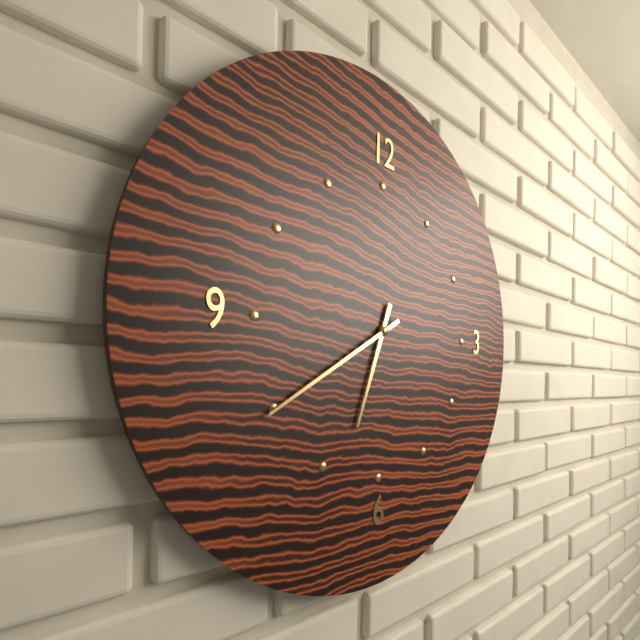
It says 6:40
